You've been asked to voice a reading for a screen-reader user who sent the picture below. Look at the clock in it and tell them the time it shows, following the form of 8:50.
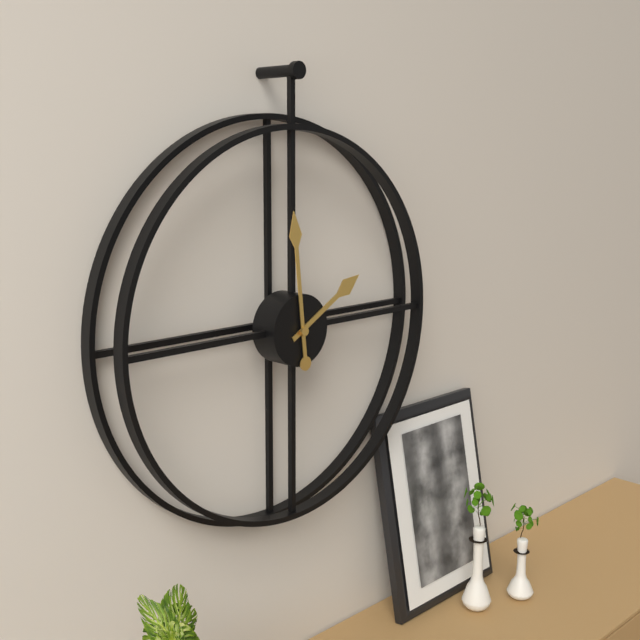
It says 1:59
